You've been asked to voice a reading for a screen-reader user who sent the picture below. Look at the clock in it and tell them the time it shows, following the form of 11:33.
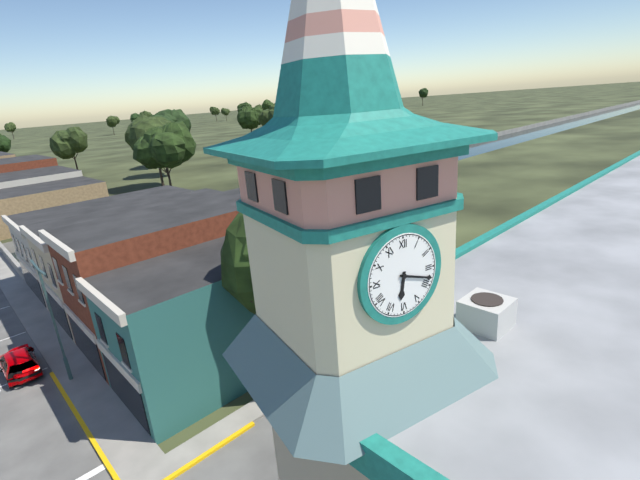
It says 6:18
